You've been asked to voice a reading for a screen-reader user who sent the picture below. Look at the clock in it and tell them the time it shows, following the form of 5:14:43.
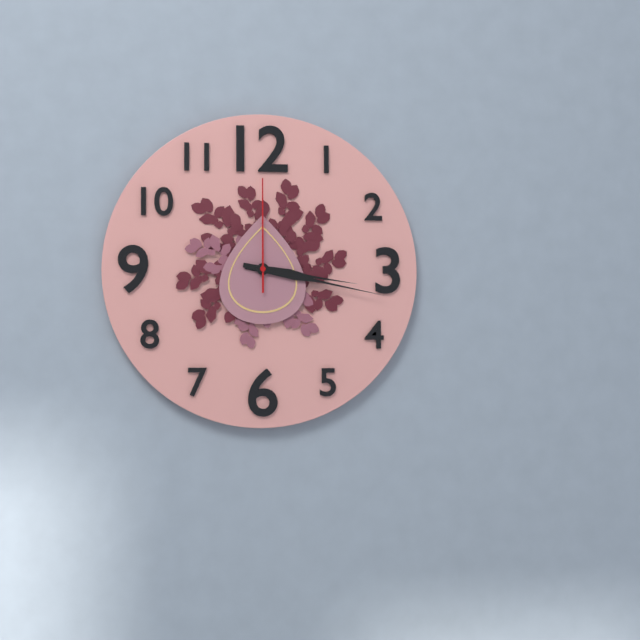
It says 3:17:00
